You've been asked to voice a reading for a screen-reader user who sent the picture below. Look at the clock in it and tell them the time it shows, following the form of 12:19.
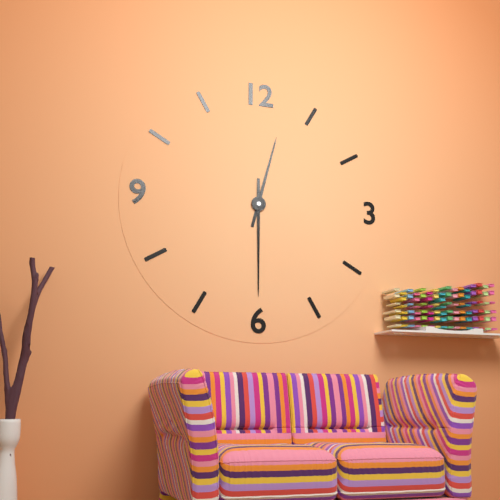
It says 12:30
